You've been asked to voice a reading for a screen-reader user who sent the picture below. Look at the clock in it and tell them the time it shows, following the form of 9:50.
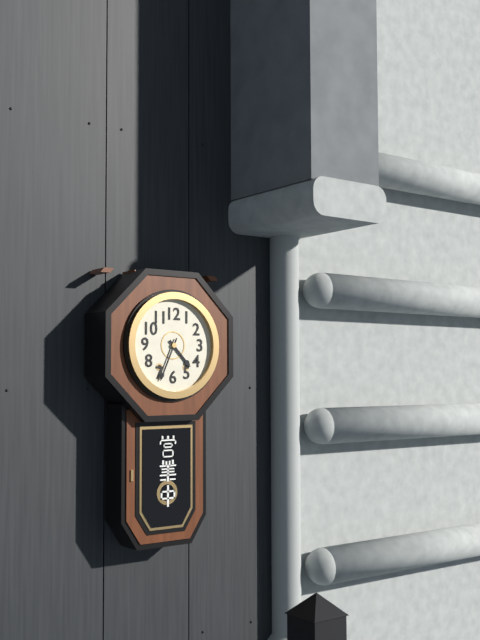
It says 4:34
